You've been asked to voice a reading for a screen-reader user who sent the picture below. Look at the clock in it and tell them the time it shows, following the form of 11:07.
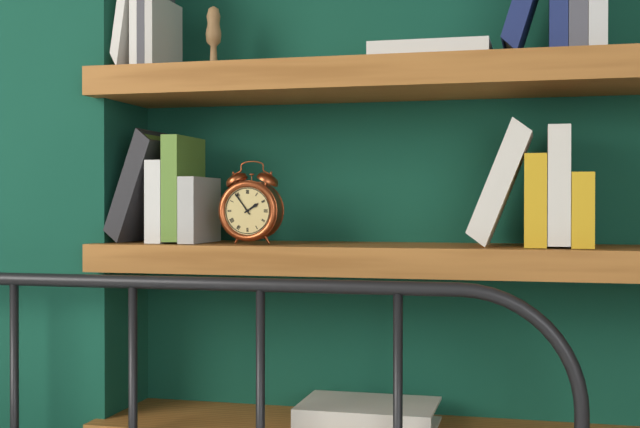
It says 1:54
